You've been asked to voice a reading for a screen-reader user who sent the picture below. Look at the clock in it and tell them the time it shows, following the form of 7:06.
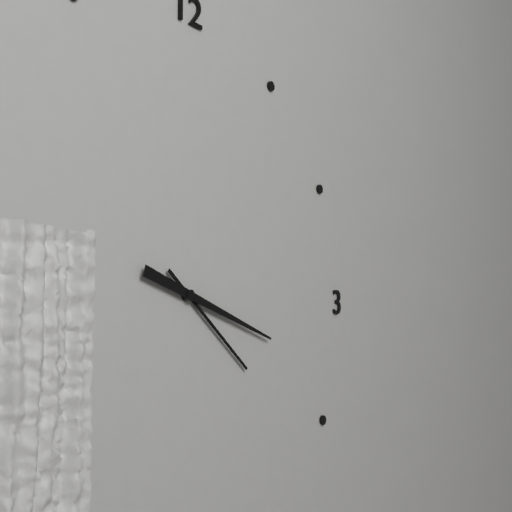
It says 4:18
